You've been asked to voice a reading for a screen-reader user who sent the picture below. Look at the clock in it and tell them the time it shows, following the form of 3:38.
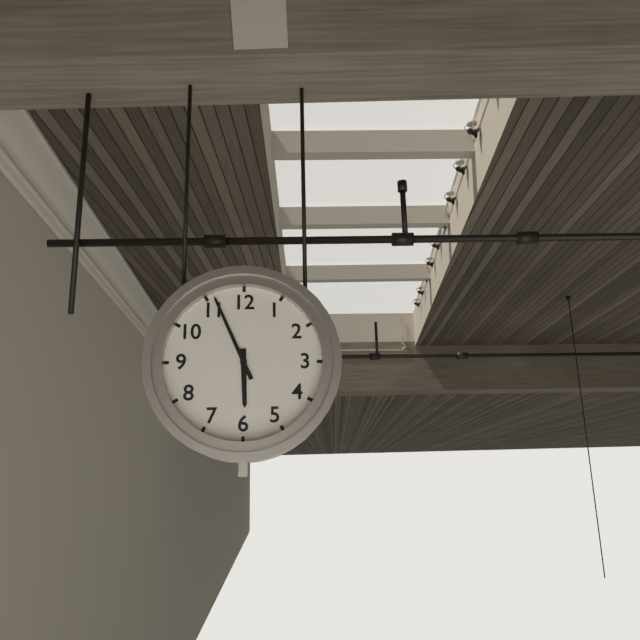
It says 5:56
